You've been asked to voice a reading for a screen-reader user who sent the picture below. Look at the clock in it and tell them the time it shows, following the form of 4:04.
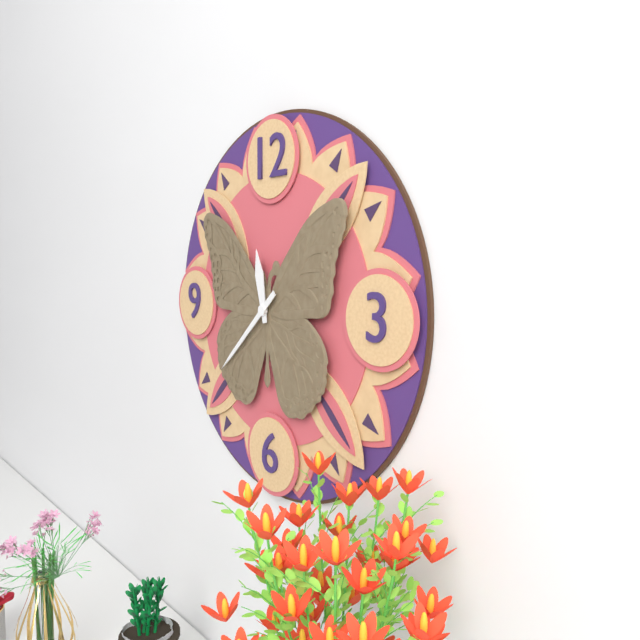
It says 11:38
